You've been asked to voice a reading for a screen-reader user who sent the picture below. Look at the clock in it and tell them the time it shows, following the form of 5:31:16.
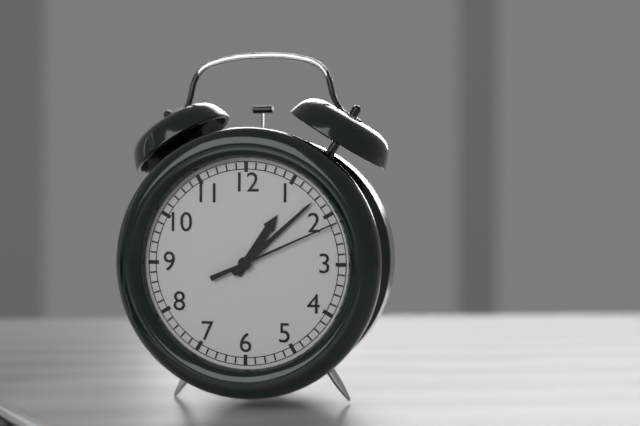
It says 1:08:11
